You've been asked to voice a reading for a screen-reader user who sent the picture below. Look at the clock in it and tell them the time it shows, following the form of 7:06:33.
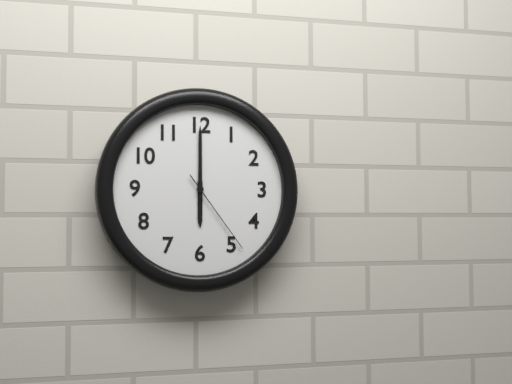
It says 6:00:24
